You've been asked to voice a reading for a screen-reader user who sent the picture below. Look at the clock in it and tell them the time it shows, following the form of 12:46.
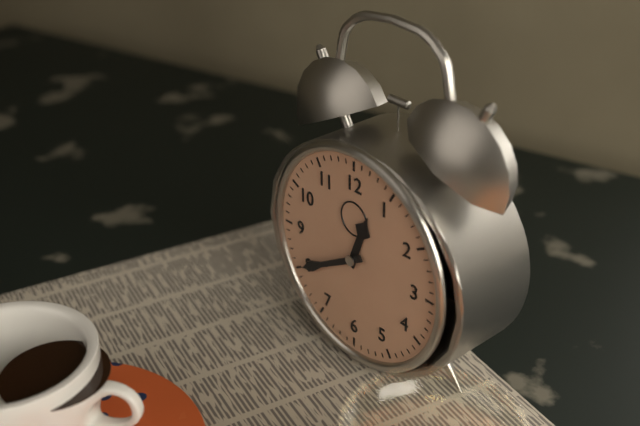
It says 12:40
